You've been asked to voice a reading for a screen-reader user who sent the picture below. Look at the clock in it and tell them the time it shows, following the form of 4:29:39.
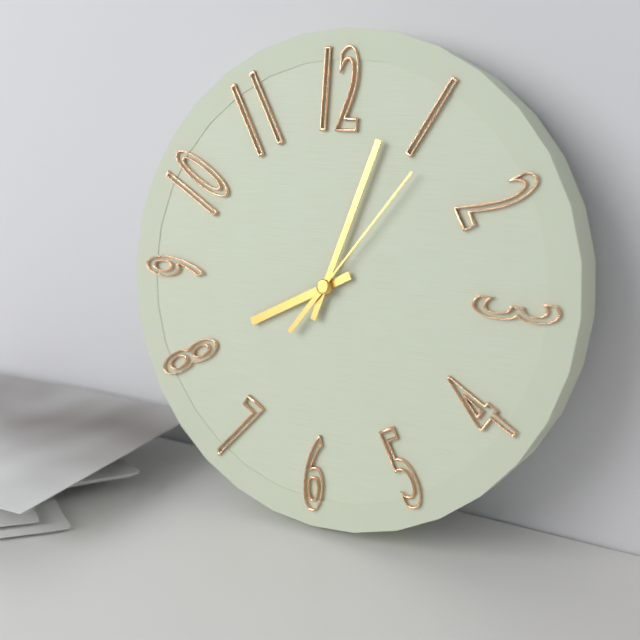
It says 8:03:06
